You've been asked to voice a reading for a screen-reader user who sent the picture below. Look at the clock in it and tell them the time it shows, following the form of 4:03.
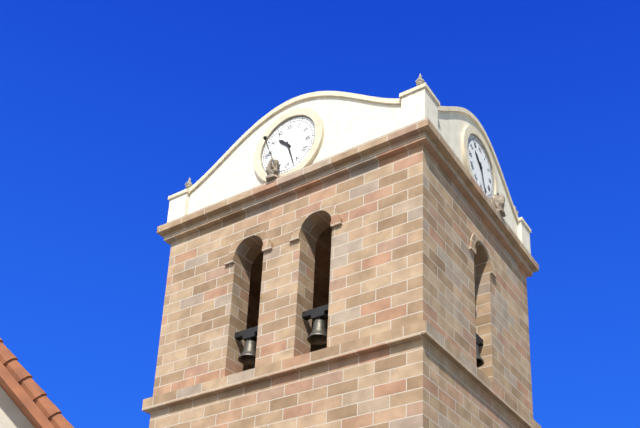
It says 10:27
